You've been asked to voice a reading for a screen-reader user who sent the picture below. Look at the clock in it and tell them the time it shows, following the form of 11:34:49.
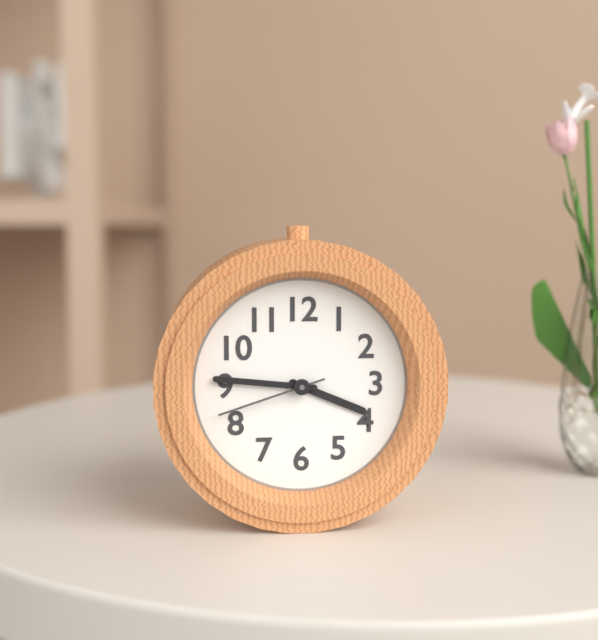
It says 3:46:42
